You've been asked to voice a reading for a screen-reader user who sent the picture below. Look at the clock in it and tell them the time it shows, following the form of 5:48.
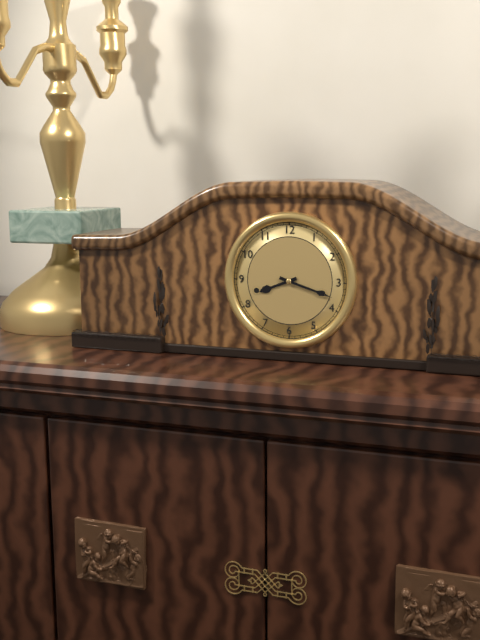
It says 8:18
